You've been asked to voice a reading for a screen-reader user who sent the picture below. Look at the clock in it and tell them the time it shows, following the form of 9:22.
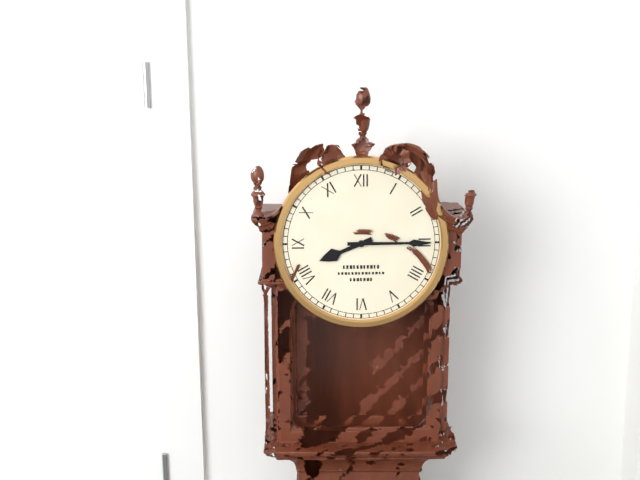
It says 8:15
